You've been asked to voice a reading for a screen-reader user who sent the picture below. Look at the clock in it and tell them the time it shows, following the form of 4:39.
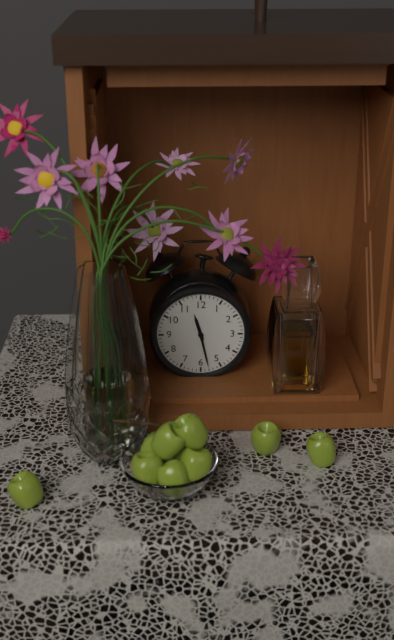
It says 11:28
